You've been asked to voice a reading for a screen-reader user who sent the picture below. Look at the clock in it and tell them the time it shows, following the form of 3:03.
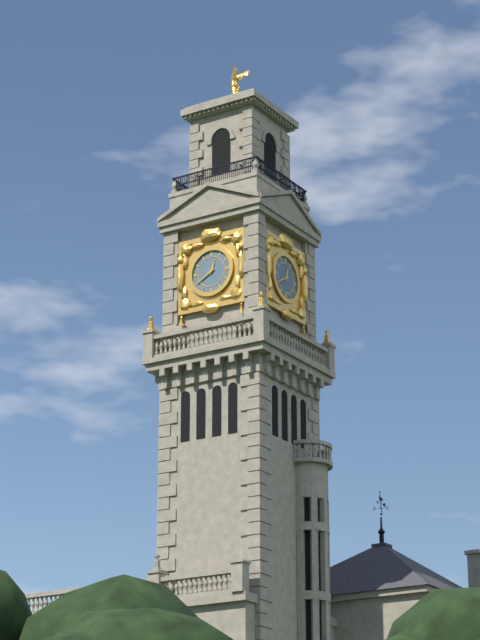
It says 12:40
